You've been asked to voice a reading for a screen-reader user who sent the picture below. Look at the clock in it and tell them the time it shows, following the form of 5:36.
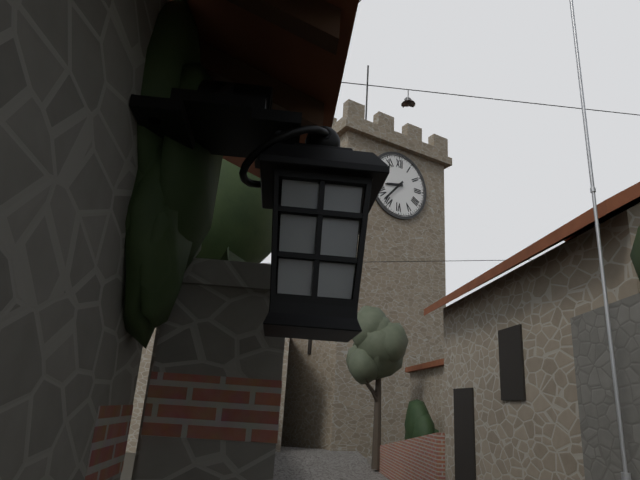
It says 8:37
